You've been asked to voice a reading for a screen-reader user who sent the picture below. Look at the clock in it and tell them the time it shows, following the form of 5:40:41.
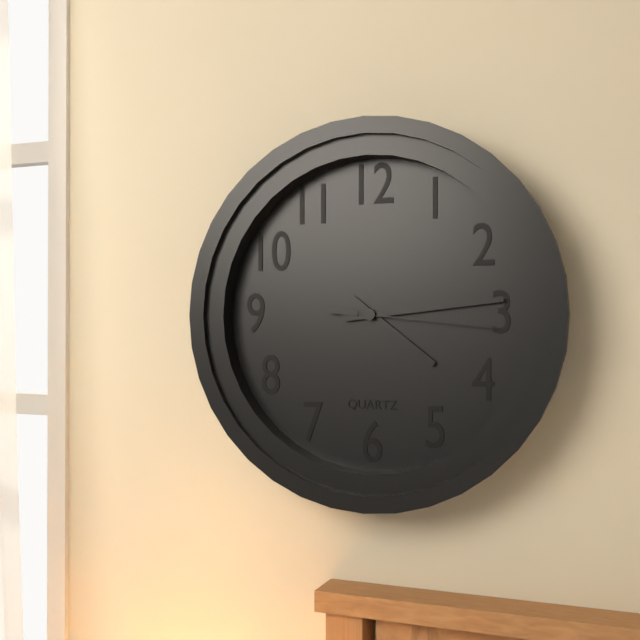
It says 4:14:16
